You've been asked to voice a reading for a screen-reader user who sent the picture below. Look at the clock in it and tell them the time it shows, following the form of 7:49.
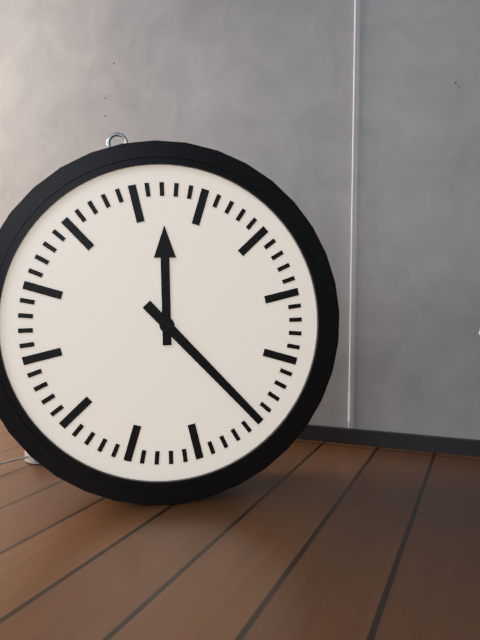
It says 12:25
